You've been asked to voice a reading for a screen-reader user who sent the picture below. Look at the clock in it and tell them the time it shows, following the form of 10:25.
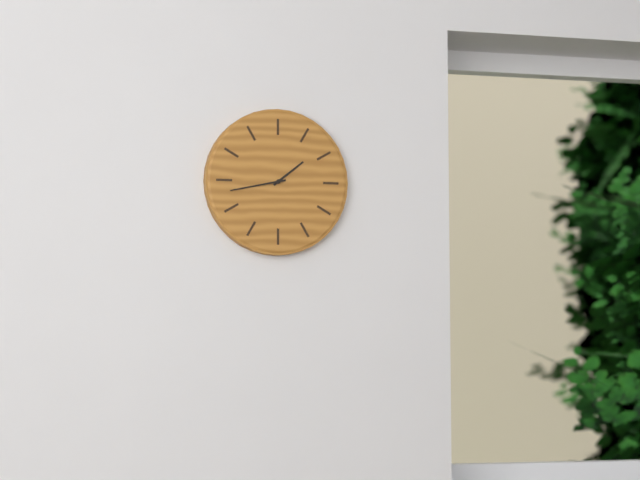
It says 1:43
